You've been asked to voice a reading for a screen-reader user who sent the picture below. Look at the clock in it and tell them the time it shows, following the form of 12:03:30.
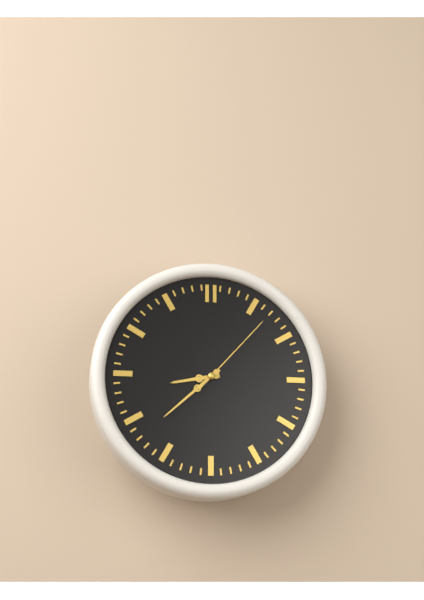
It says 8:38:07
